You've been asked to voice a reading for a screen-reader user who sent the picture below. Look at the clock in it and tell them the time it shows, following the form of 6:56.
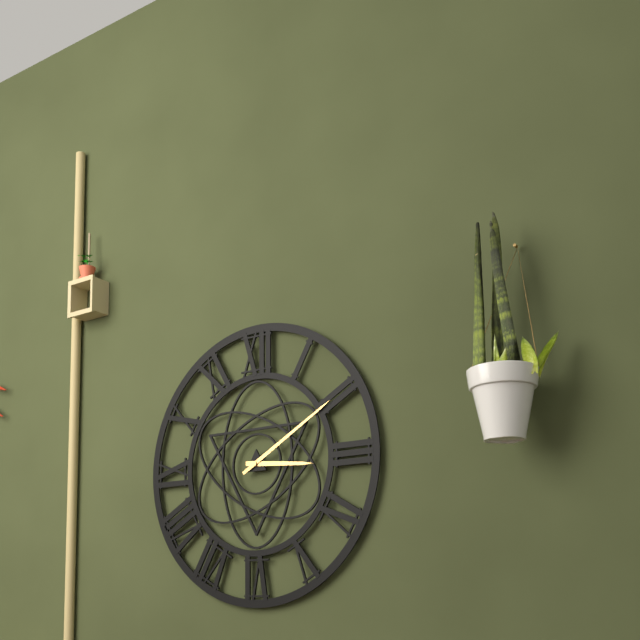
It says 3:10
